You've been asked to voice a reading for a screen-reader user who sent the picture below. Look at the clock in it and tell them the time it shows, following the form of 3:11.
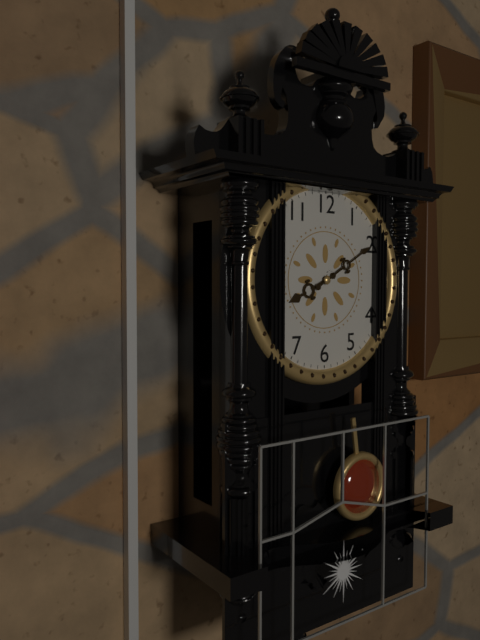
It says 8:10
